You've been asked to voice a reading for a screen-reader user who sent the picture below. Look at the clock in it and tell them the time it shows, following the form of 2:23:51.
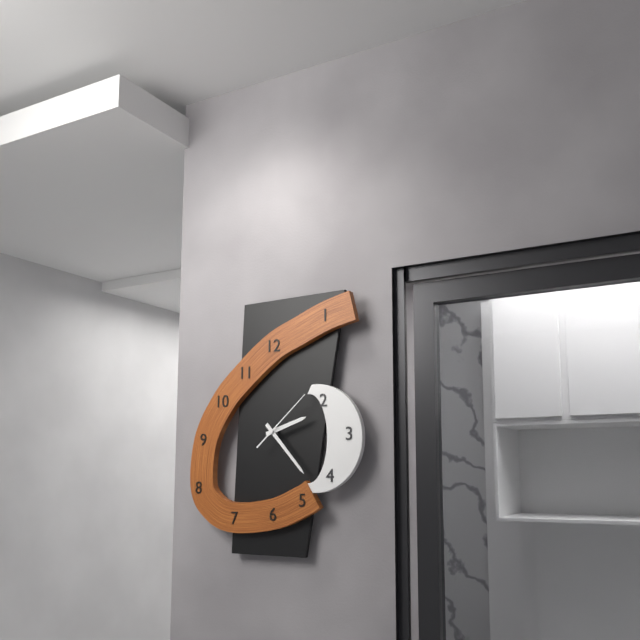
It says 2:23:08
